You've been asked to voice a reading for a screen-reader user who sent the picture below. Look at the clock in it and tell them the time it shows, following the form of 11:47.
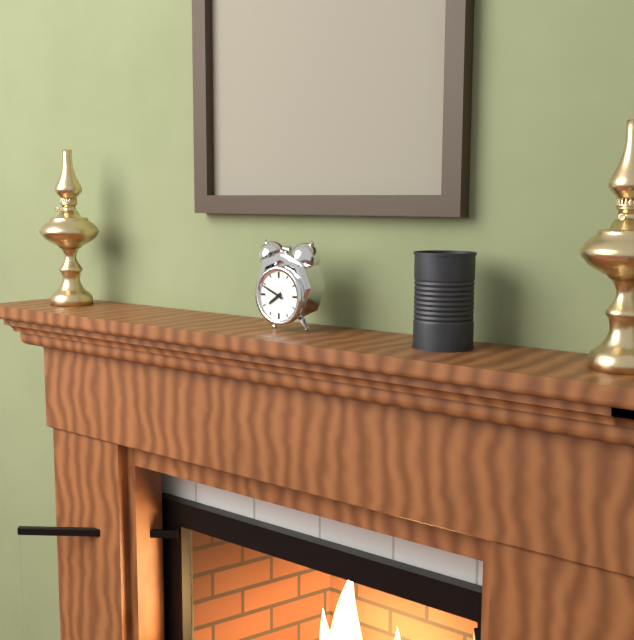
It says 7:49
